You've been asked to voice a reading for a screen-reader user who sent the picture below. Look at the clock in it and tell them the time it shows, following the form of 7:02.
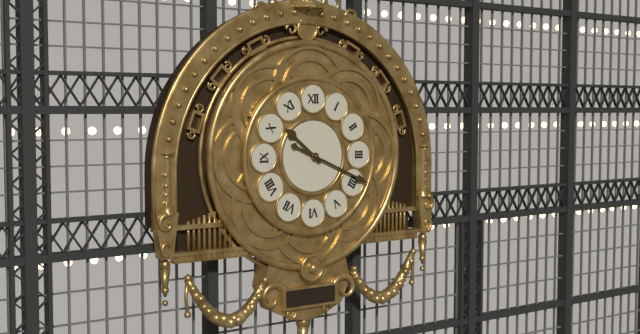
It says 10:19
